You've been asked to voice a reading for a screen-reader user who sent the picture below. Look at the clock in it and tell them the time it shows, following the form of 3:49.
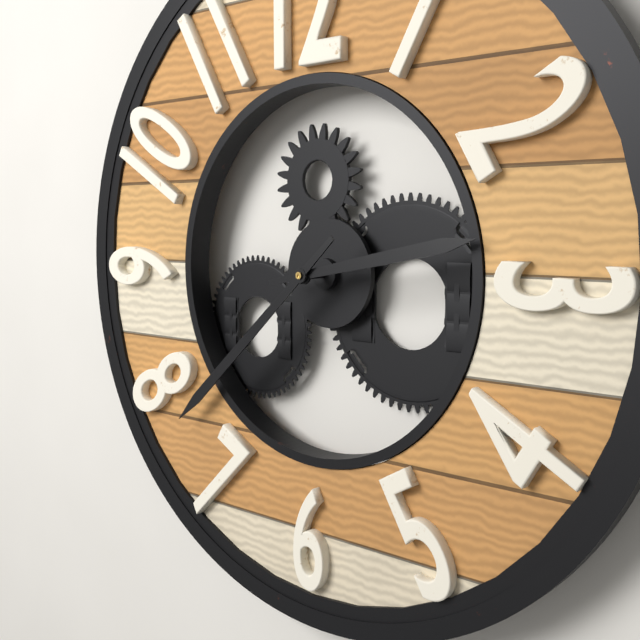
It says 2:38
